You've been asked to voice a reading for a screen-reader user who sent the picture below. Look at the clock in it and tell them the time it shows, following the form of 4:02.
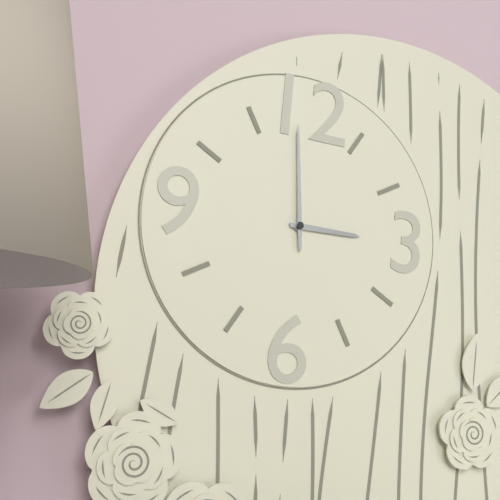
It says 2:59
